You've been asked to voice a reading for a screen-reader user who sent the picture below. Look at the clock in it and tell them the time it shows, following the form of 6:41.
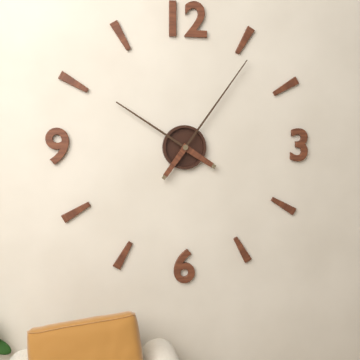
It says 10:06
